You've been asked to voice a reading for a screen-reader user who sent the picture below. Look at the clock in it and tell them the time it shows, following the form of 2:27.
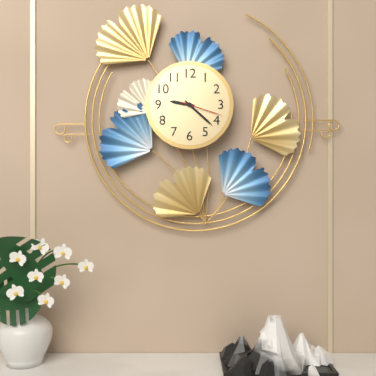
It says 9:22
